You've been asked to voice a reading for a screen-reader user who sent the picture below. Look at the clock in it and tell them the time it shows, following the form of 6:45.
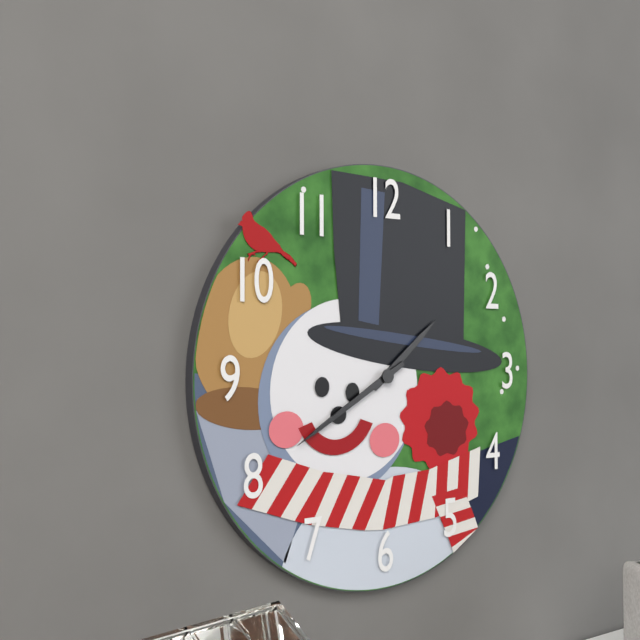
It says 1:40
